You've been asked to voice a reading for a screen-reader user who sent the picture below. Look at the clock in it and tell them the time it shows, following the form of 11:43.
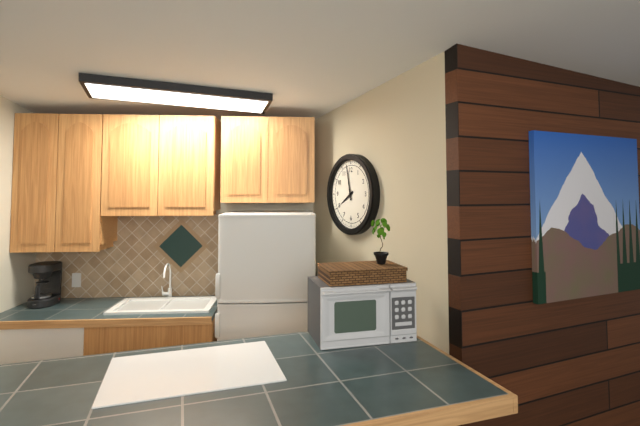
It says 7:58
